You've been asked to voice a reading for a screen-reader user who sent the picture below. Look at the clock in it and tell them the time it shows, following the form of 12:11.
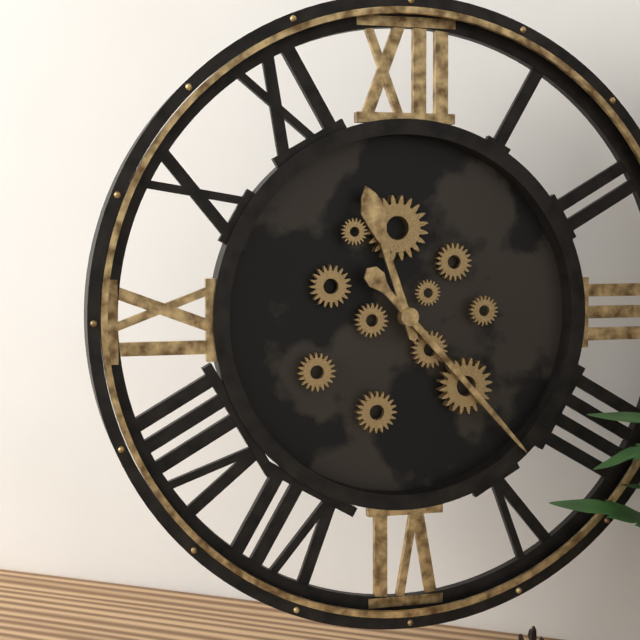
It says 11:23
